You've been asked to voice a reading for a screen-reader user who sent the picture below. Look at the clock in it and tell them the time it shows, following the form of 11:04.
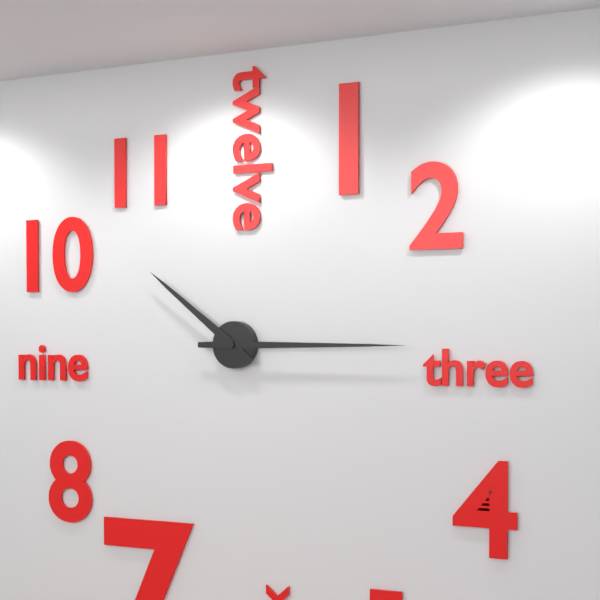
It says 10:15
